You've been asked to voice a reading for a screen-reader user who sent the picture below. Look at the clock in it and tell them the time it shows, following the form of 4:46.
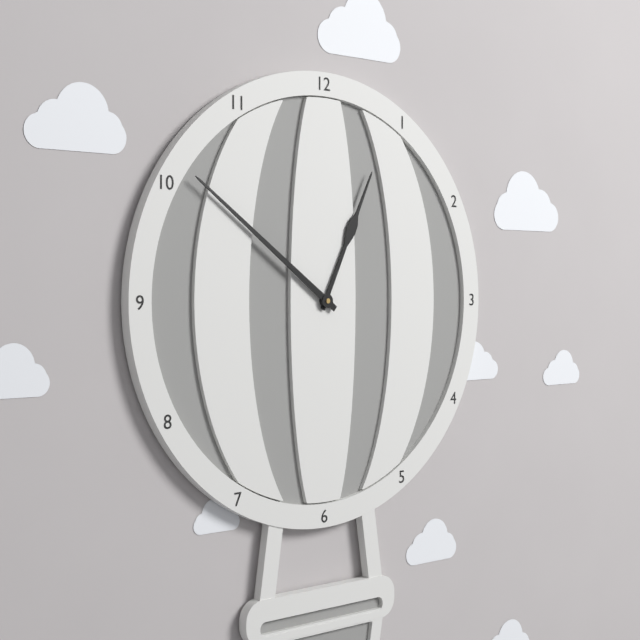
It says 12:51
